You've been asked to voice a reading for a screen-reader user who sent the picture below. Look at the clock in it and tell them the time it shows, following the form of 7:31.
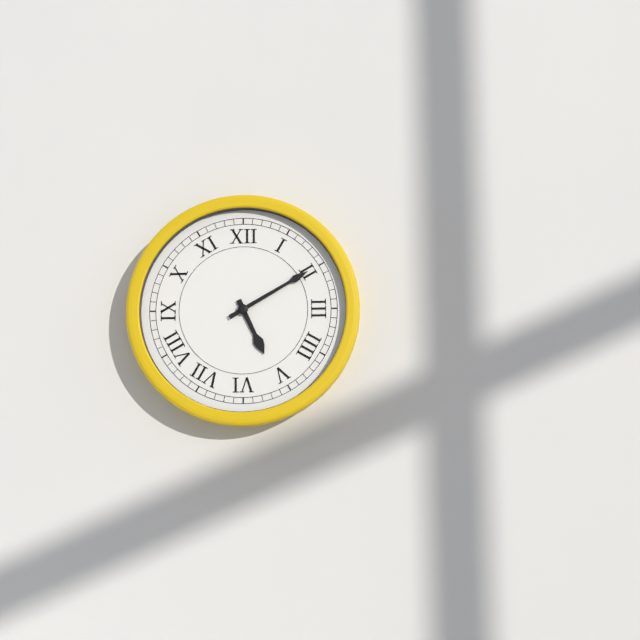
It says 5:10
